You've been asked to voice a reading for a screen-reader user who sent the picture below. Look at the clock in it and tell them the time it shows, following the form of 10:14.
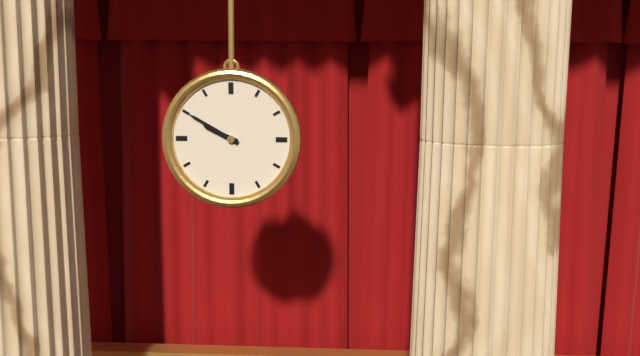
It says 9:50
